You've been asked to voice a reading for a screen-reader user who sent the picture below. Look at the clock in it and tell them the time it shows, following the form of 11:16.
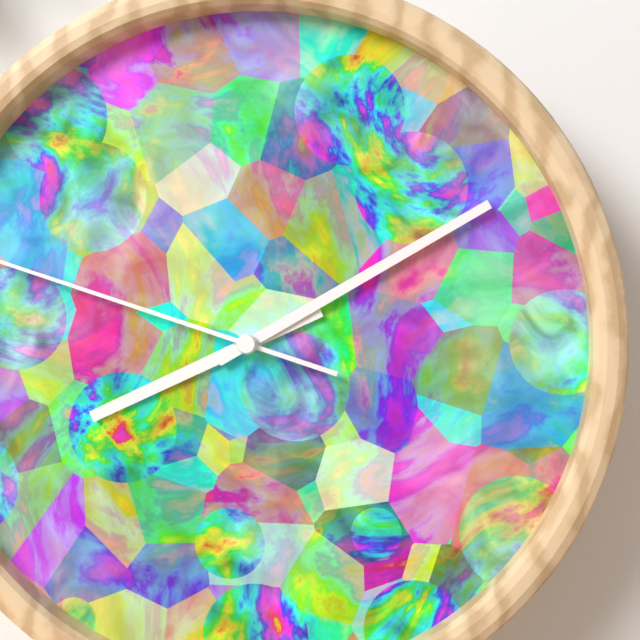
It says 8:10
